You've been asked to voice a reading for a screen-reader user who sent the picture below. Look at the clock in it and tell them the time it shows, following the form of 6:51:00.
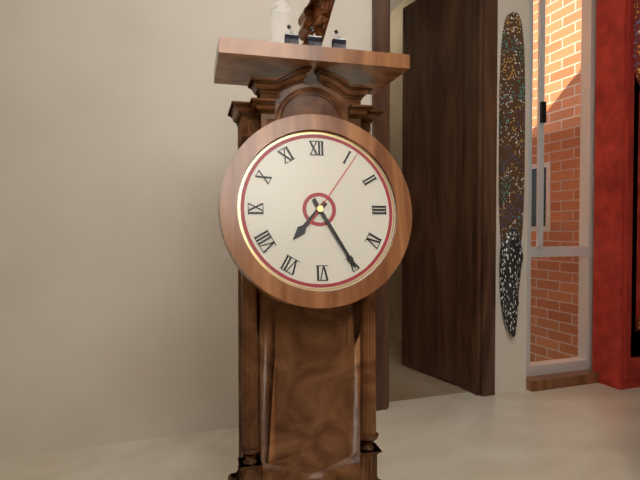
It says 7:25:06
